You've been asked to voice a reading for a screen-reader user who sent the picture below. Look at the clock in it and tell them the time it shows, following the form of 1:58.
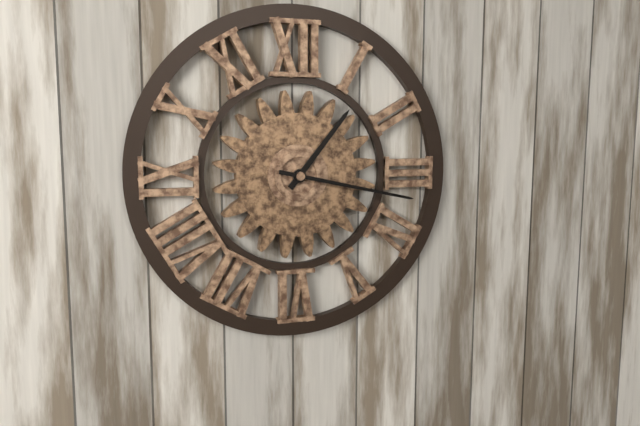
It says 1:17
